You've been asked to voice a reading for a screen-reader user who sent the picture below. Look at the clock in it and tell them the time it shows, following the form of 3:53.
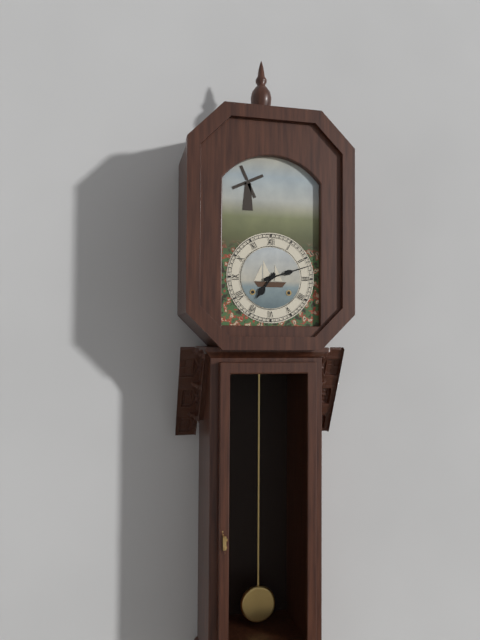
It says 7:12
